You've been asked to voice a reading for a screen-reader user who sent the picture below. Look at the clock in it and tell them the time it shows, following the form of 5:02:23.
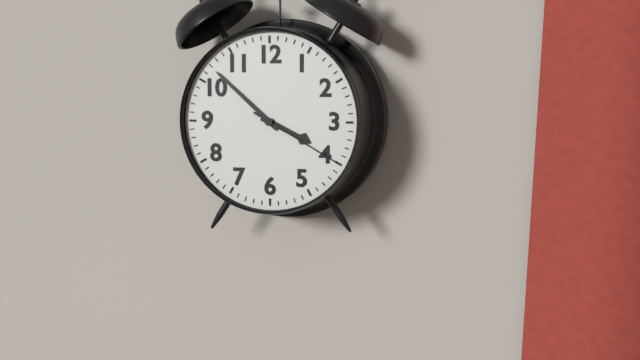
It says 3:52:20
